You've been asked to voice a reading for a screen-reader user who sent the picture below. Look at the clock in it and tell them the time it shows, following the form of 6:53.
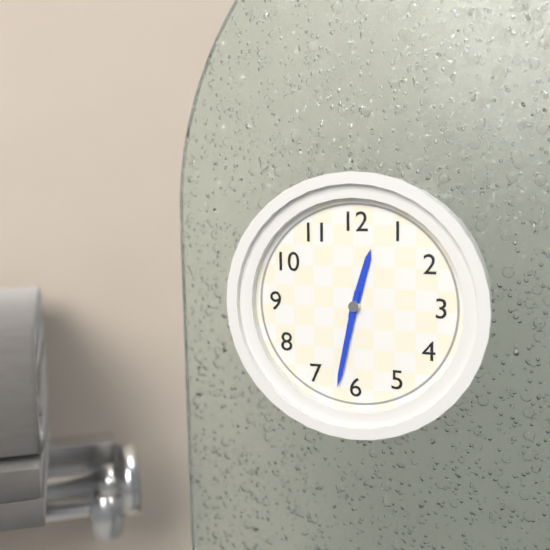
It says 12:32
